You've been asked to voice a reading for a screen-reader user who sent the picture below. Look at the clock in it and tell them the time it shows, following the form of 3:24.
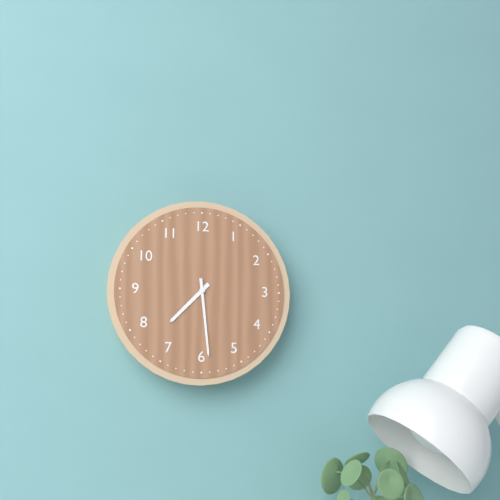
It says 7:29
